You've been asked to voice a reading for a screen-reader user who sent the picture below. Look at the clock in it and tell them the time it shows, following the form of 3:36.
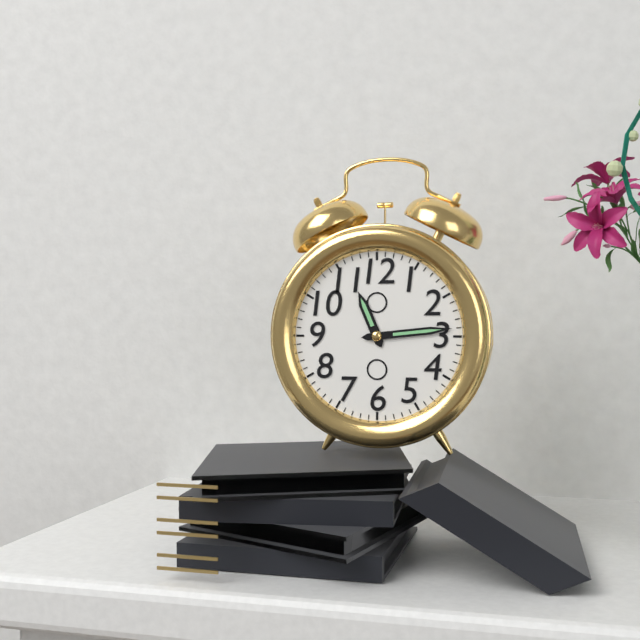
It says 11:14
